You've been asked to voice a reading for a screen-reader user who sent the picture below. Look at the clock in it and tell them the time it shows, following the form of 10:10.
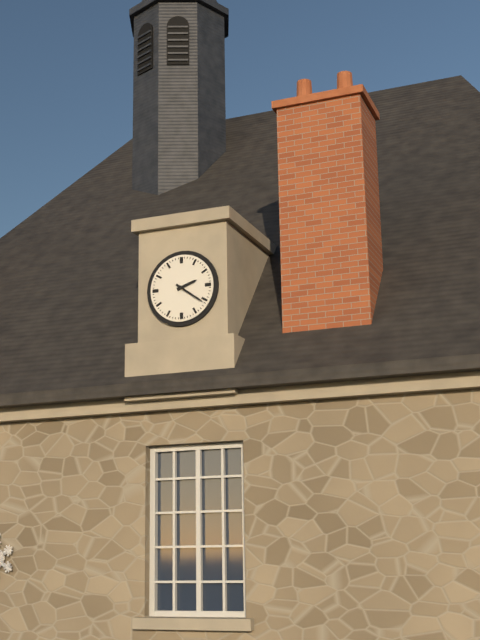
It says 2:21
